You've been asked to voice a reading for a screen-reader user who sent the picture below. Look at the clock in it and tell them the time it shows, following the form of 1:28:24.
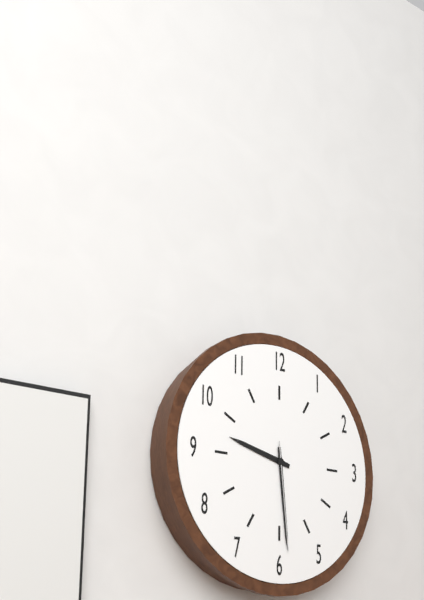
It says 9:29:29
